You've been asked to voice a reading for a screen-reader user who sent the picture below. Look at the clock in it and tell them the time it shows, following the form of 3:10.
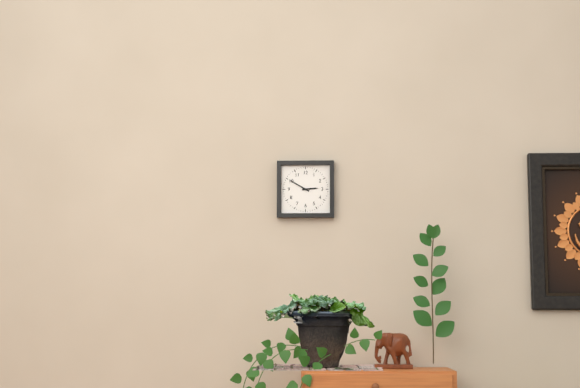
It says 2:50
